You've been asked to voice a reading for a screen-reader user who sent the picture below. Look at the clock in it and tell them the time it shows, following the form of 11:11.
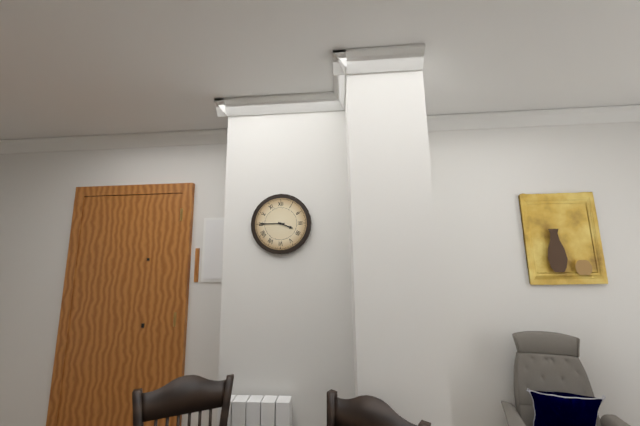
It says 3:45
